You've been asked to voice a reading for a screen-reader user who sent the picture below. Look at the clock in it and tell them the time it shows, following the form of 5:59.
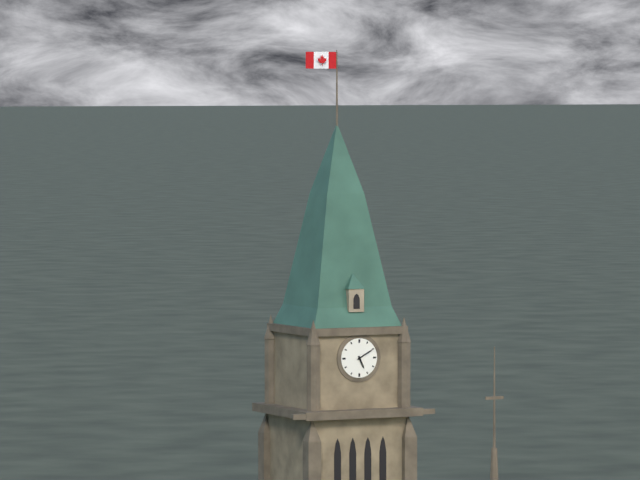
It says 5:10
